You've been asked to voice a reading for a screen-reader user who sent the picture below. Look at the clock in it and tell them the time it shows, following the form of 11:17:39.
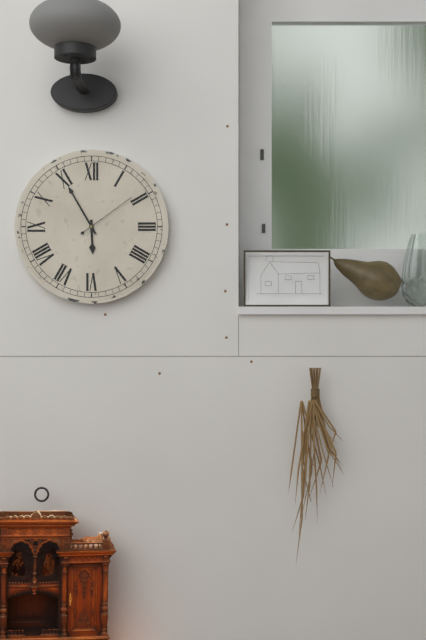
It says 5:55:09
